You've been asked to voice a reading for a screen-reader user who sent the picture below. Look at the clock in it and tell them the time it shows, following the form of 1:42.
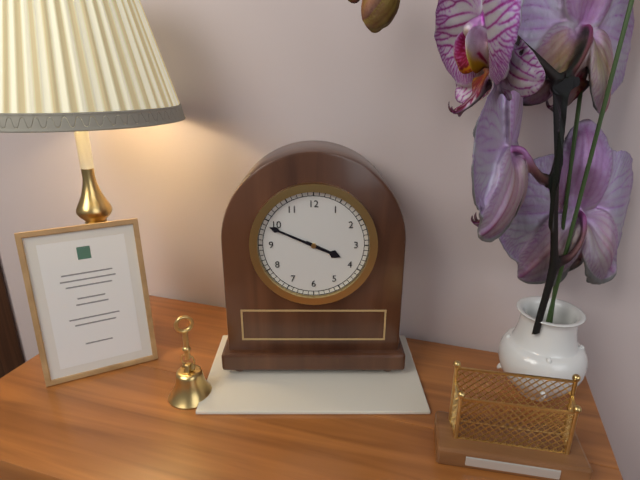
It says 3:49
